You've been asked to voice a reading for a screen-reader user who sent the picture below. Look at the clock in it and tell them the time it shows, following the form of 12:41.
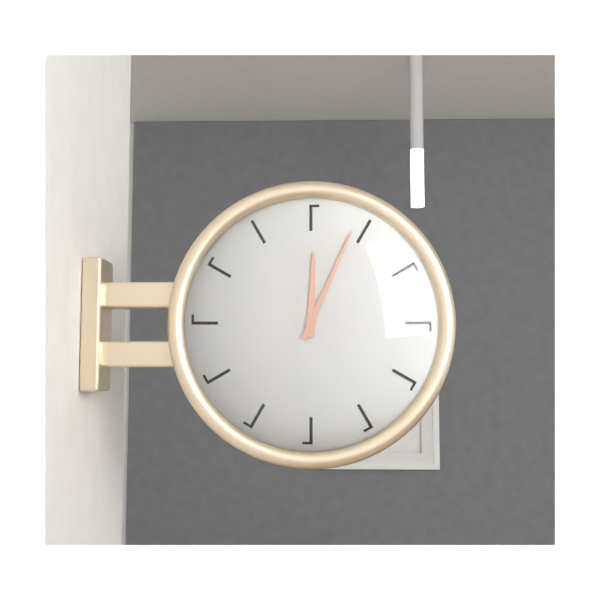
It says 12:04
